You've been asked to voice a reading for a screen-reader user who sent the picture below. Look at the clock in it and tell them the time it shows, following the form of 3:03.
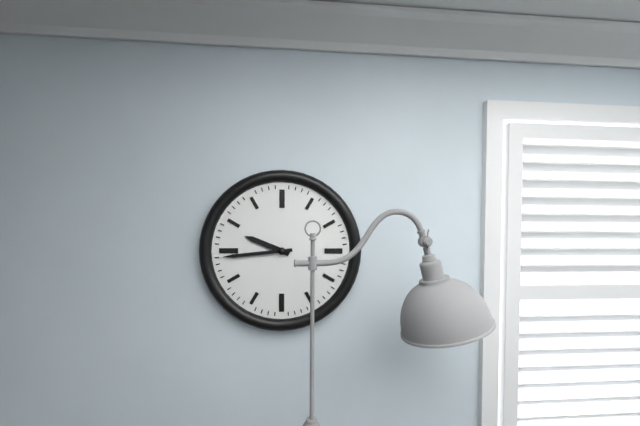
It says 9:44
